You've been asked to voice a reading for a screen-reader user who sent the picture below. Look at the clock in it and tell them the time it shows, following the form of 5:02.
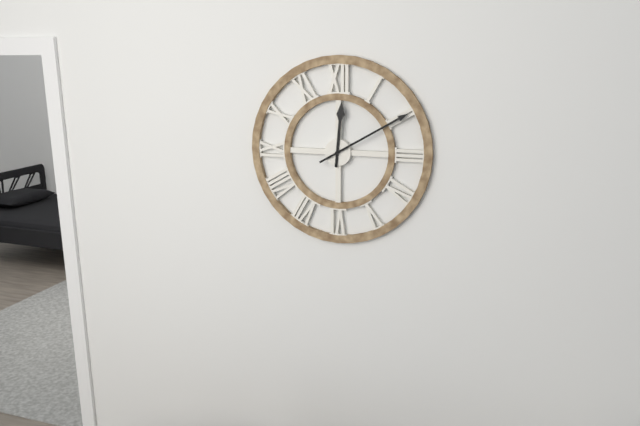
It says 12:10
